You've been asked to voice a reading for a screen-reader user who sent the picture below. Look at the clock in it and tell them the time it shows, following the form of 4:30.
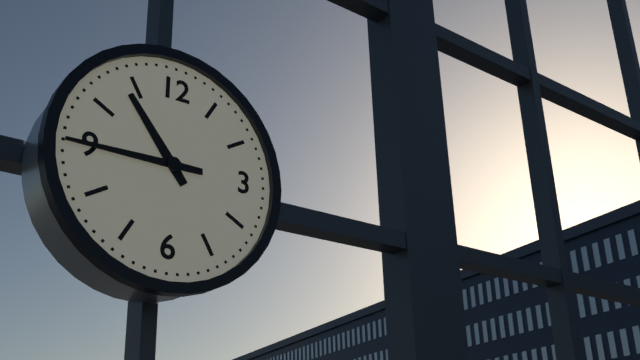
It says 10:45
